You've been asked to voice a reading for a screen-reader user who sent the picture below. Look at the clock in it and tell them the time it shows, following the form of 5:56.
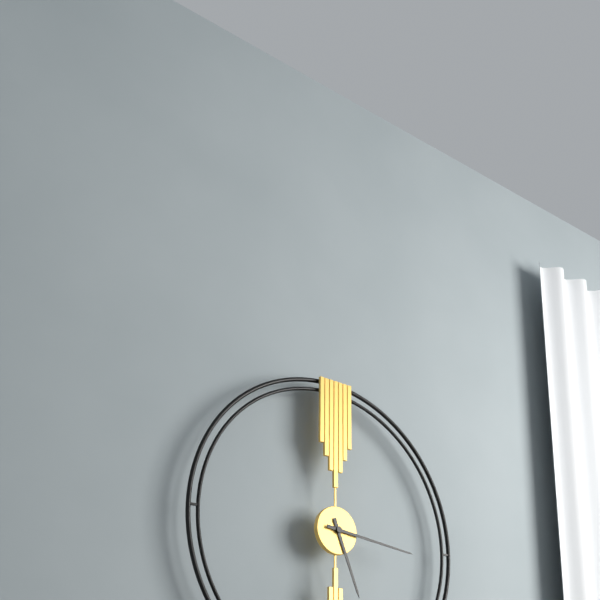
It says 5:16
